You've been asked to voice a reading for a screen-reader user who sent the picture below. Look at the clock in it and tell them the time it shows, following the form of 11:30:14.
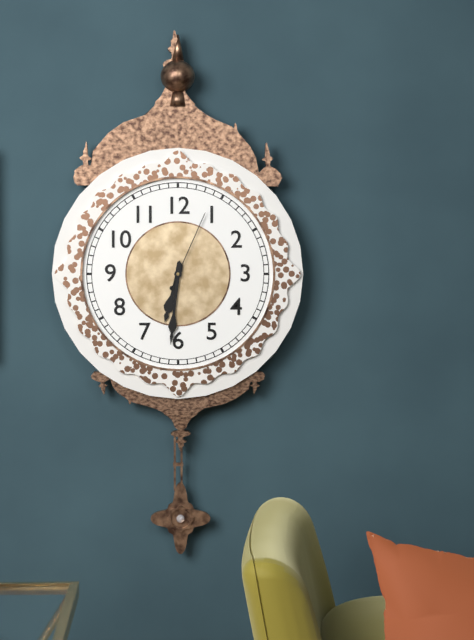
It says 6:31:04
